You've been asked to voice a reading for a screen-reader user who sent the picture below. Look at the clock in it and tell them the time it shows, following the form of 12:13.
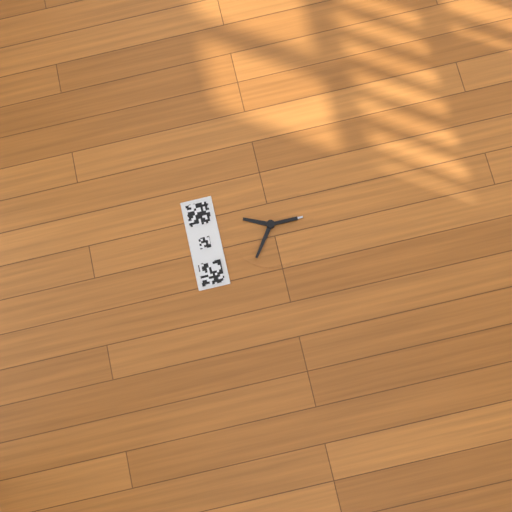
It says 12:51
